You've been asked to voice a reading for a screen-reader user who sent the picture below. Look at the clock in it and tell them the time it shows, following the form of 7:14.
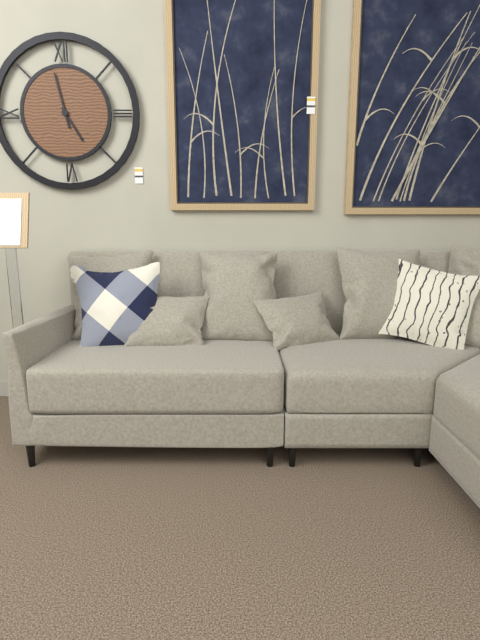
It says 4:58
